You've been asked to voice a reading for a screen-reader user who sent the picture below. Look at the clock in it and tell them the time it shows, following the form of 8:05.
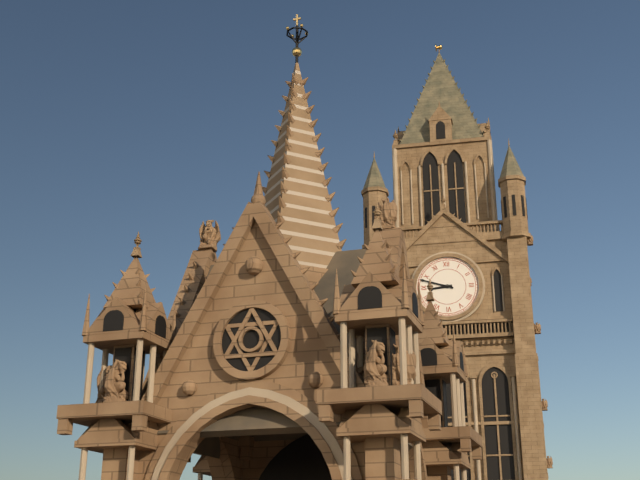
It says 8:48
